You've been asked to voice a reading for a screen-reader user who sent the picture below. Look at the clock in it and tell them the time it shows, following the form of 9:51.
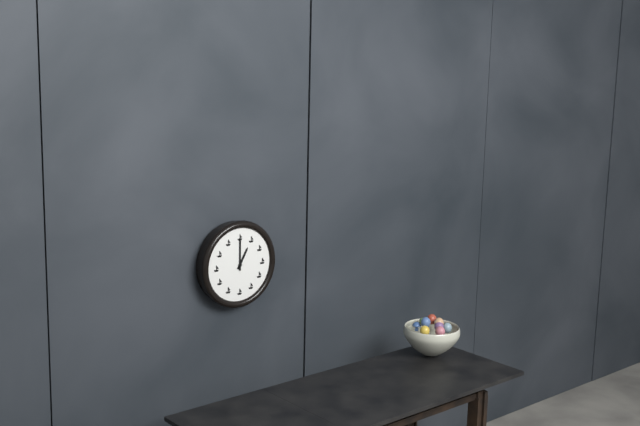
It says 1:00
